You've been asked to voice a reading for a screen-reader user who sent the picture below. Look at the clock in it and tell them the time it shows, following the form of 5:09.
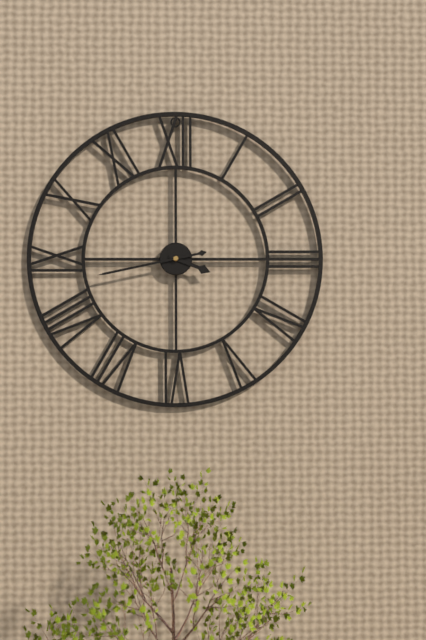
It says 3:43
